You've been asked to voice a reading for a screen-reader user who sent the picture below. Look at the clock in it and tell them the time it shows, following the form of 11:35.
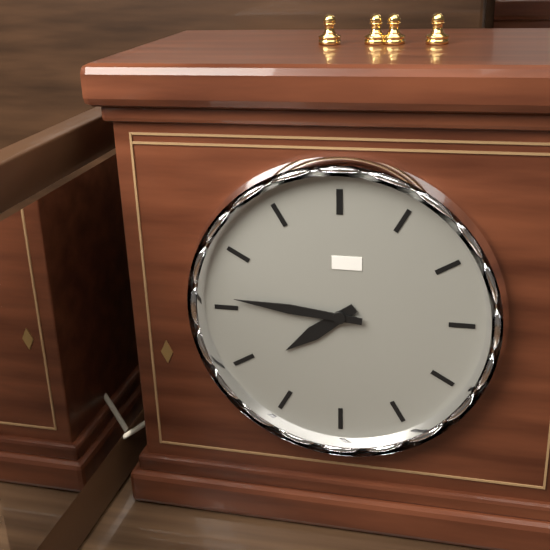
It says 7:46
